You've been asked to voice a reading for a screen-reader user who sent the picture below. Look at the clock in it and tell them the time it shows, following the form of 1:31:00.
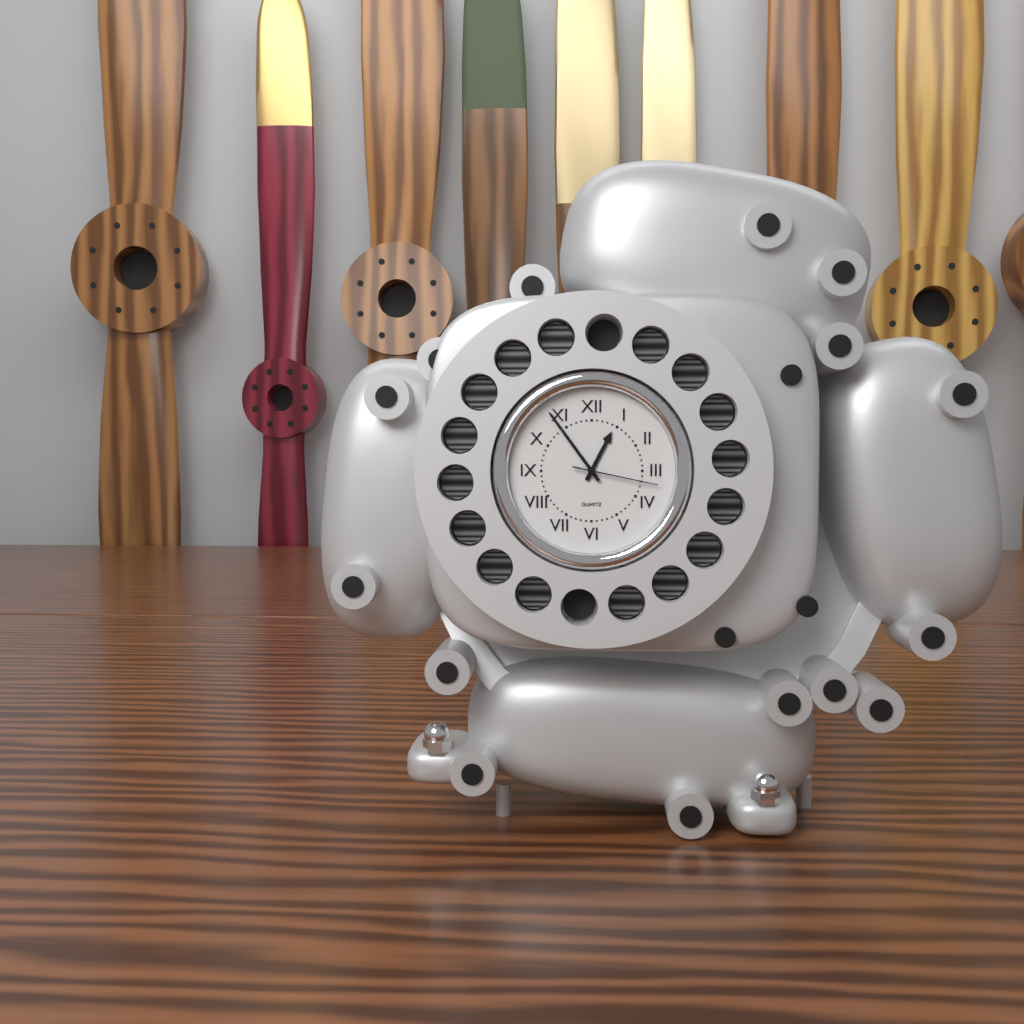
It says 12:54:17
